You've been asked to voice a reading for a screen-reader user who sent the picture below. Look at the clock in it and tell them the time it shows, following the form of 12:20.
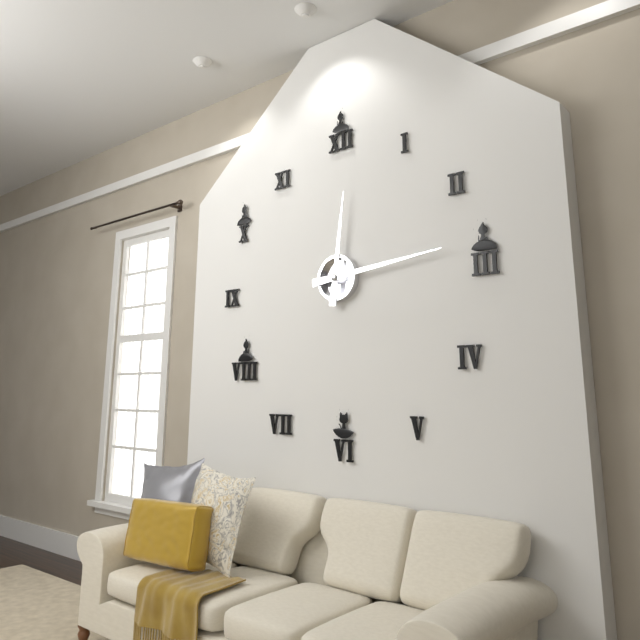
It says 12:14
